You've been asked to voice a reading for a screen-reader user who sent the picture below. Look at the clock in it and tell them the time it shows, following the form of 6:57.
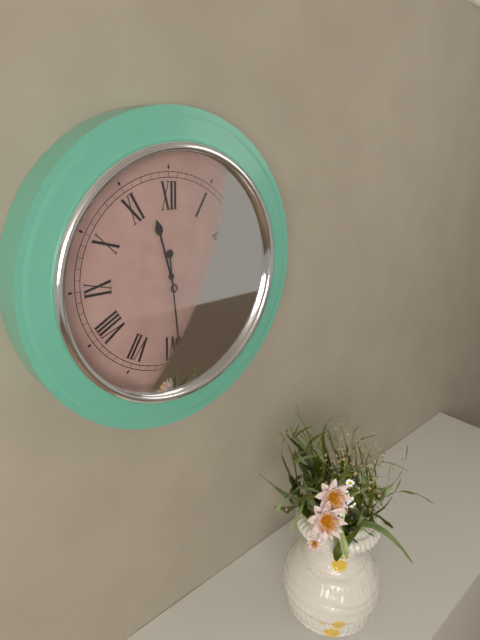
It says 11:29
